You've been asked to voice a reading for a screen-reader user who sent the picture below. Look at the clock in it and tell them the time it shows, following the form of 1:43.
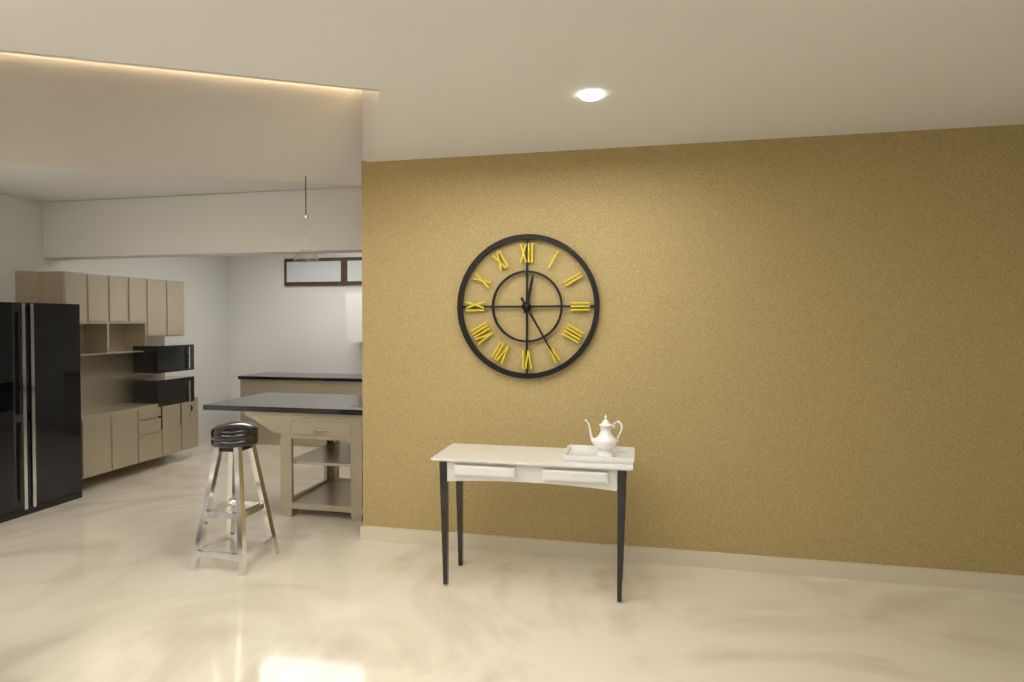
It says 12:25
